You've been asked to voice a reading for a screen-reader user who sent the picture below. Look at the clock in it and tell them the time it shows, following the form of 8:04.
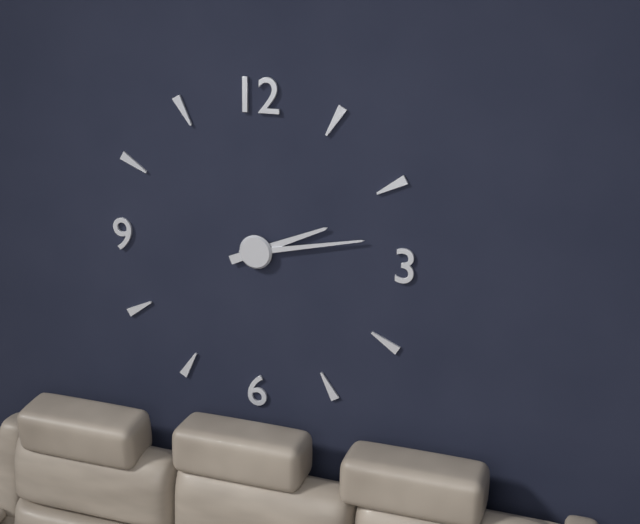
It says 2:13
